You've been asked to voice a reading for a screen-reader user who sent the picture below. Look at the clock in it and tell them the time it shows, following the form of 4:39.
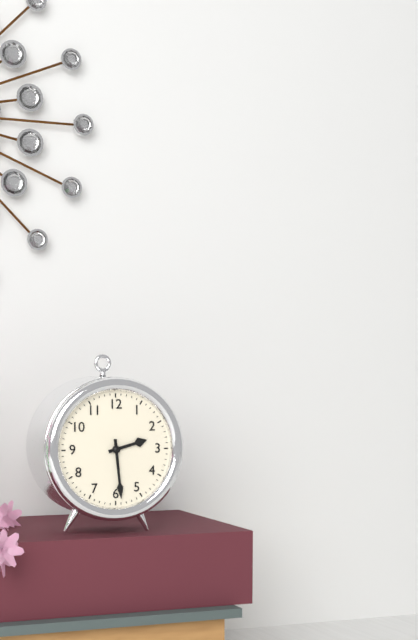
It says 2:29
